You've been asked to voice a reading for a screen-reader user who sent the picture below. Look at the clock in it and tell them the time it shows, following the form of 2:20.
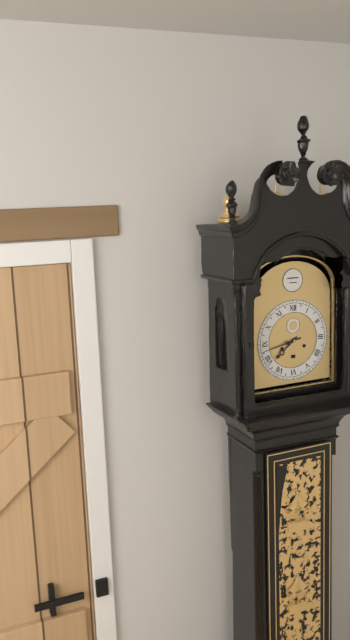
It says 7:43
